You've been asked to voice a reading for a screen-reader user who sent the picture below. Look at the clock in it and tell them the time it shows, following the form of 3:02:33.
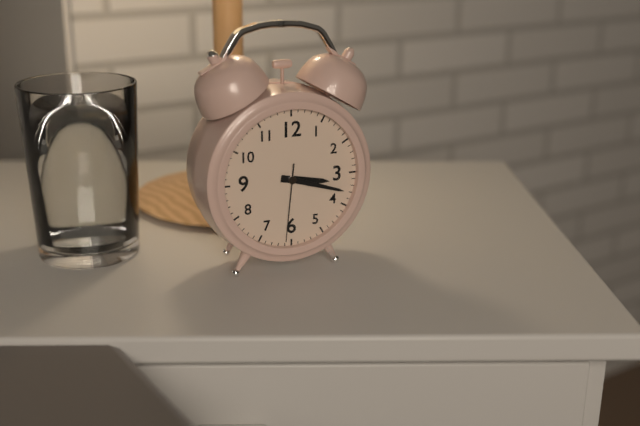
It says 3:18:31
